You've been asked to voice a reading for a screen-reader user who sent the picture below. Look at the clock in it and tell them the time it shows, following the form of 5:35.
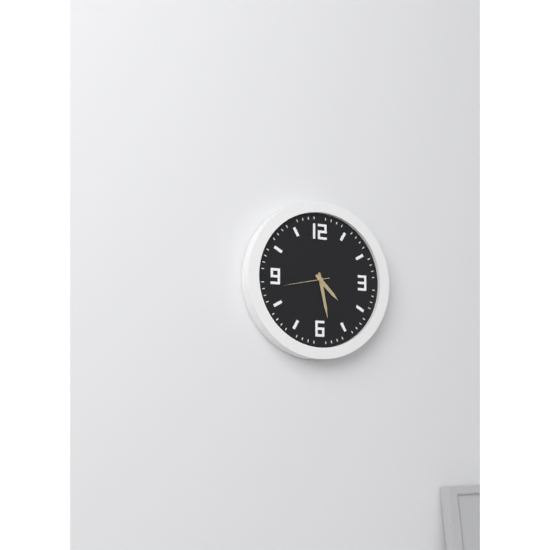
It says 4:28
